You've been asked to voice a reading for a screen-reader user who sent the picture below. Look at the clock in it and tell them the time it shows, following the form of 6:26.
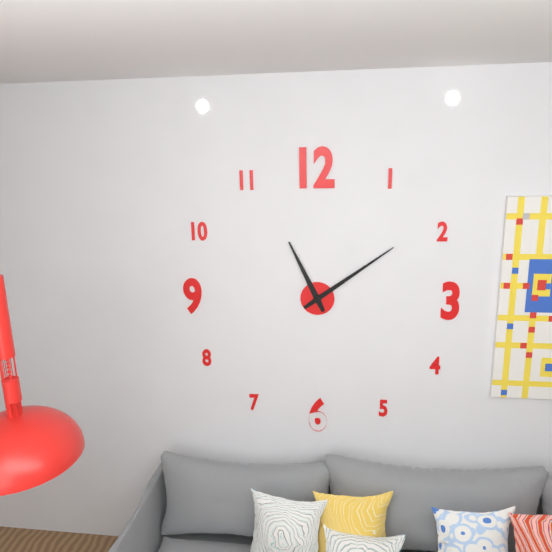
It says 11:09
